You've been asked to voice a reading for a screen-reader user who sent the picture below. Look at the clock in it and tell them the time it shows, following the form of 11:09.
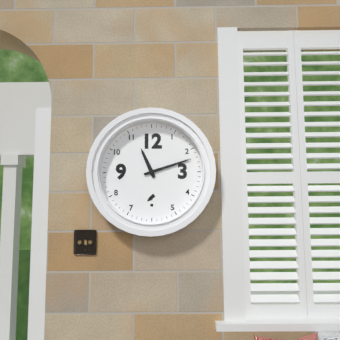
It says 11:12
